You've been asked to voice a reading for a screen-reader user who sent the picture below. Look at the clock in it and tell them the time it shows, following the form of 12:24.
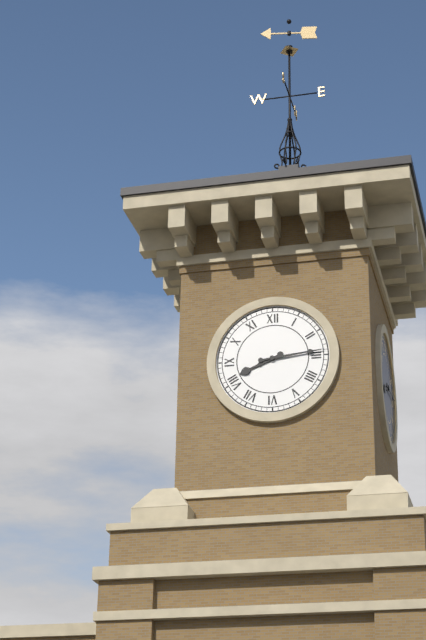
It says 8:14
